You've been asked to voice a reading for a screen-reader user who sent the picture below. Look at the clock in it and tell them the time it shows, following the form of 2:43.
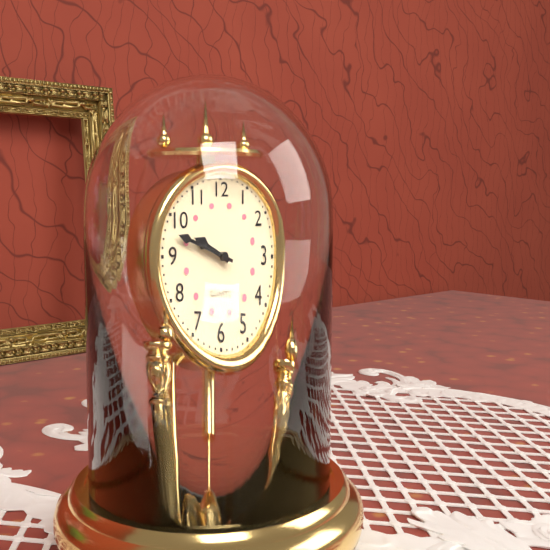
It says 9:48
